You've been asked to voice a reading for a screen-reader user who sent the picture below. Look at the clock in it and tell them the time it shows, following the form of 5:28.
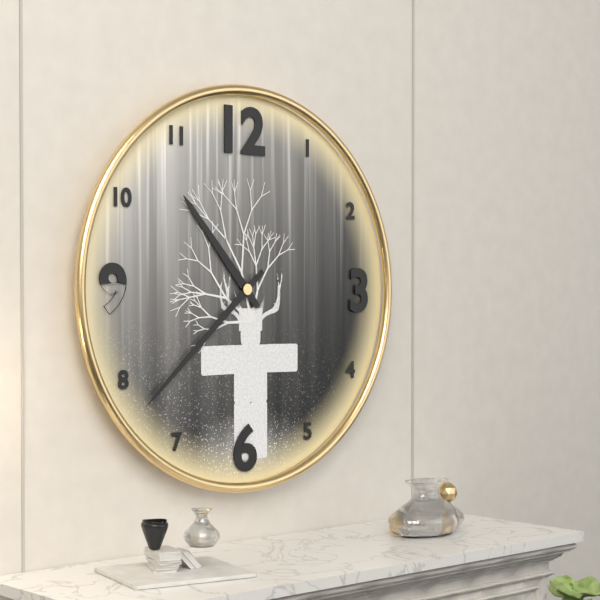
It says 10:38
